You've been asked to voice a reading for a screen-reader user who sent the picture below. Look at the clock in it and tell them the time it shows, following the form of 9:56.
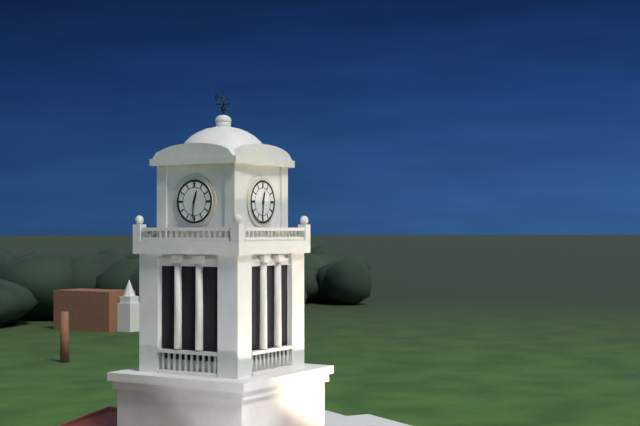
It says 12:31
